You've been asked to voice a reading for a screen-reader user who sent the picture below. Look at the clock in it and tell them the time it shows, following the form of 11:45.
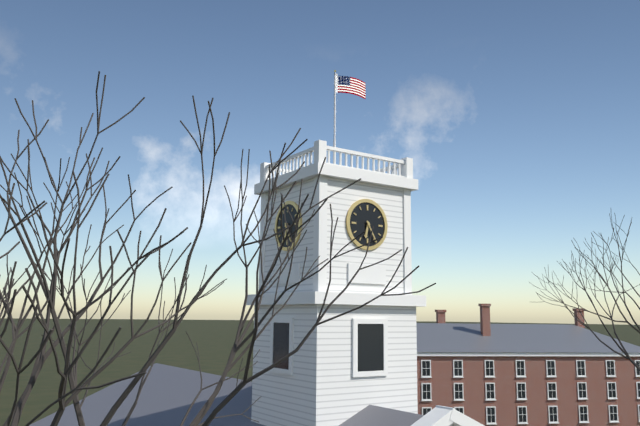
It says 6:25
